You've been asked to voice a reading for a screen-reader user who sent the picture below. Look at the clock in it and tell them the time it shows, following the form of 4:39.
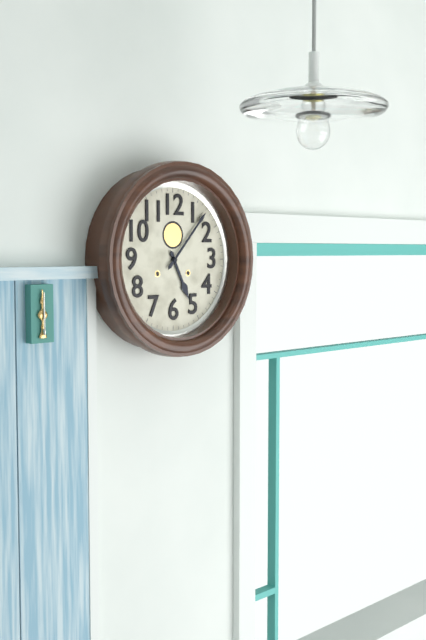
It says 5:07
